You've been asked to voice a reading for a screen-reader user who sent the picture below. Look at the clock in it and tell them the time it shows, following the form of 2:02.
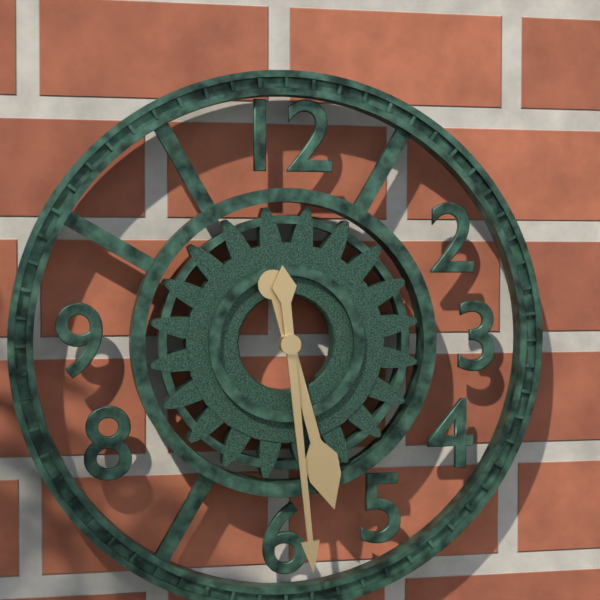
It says 5:29
